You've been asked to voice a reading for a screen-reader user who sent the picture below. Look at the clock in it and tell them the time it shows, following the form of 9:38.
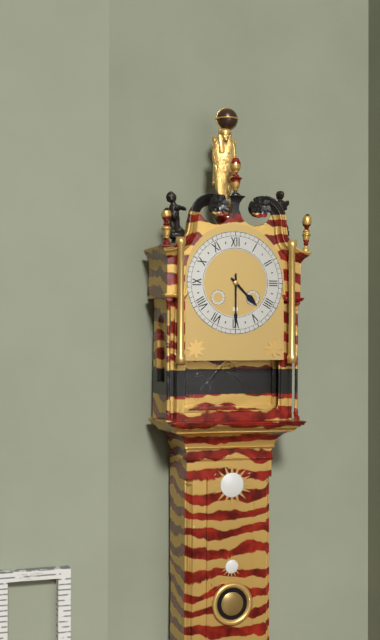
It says 4:30
